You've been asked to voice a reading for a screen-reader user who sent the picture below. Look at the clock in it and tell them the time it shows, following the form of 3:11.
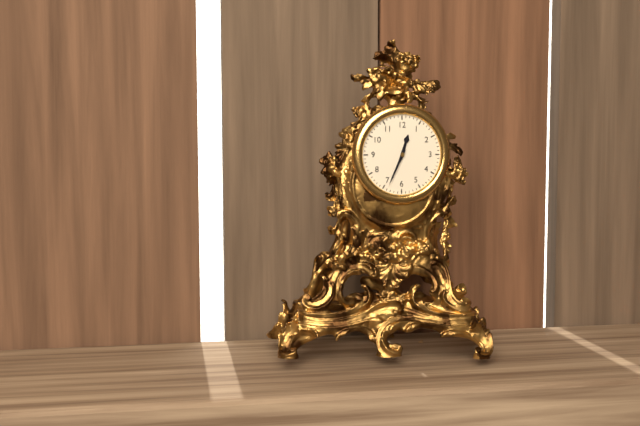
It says 12:34
